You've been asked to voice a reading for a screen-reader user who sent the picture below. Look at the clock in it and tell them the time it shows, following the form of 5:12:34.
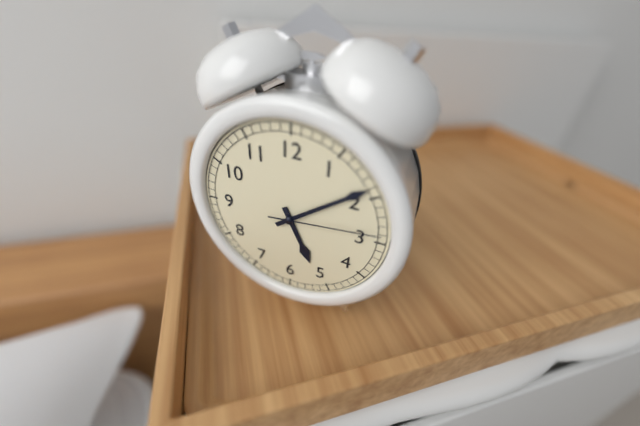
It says 5:09:14
